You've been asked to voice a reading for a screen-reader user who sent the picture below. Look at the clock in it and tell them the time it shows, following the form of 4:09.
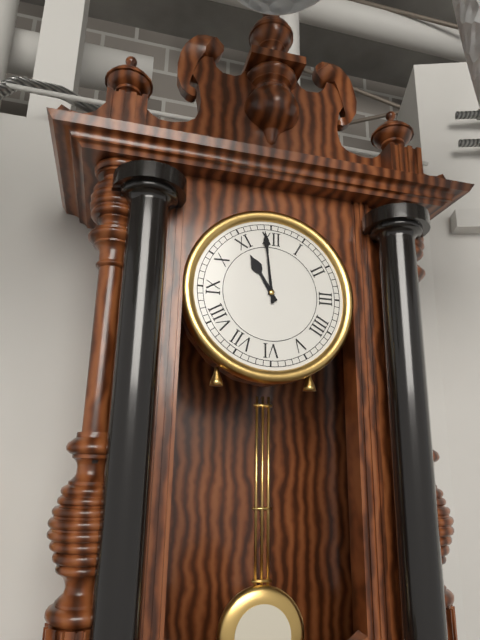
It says 10:59
